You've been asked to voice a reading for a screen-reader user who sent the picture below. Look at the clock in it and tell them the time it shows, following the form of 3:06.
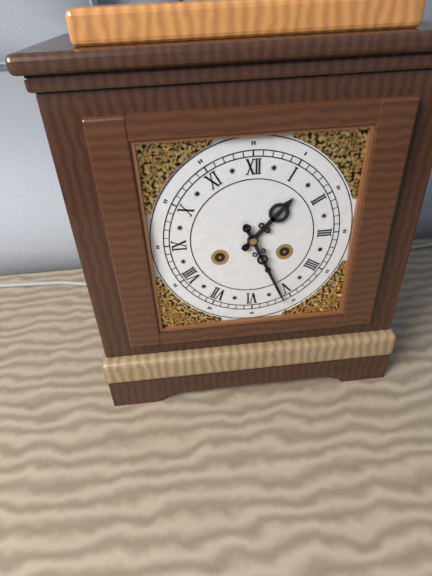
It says 1:26
